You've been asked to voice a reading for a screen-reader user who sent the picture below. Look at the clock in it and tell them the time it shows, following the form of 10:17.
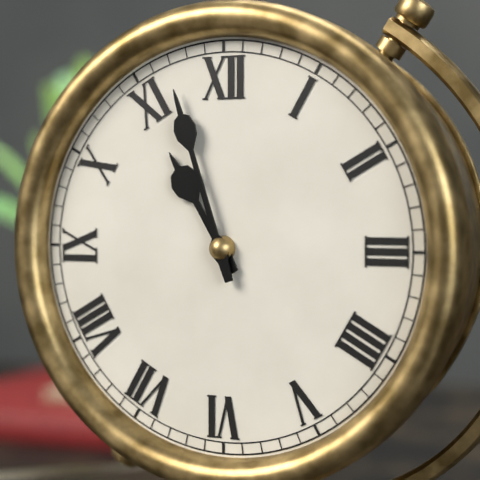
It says 10:57
